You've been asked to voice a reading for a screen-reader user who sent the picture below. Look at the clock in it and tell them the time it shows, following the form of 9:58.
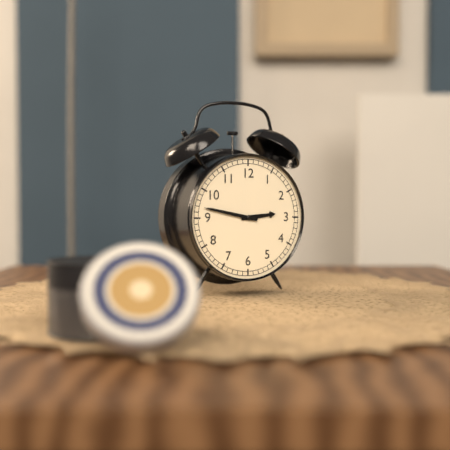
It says 2:47
